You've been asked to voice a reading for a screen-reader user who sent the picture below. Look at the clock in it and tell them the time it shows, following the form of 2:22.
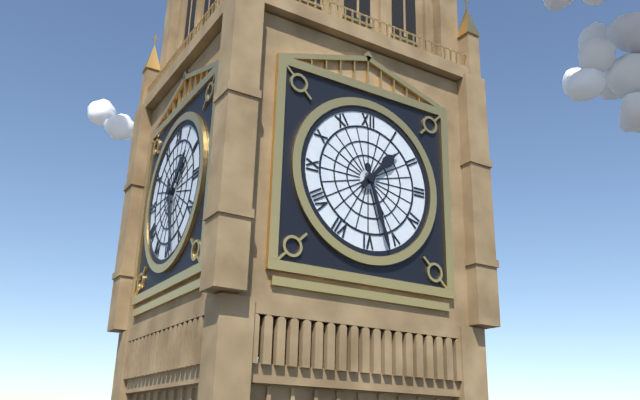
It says 1:27
